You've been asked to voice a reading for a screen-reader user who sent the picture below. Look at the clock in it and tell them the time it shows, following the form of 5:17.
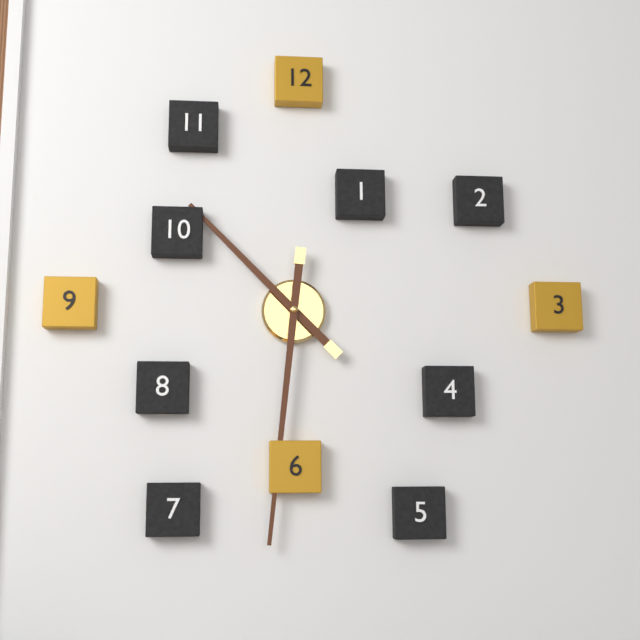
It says 10:31
